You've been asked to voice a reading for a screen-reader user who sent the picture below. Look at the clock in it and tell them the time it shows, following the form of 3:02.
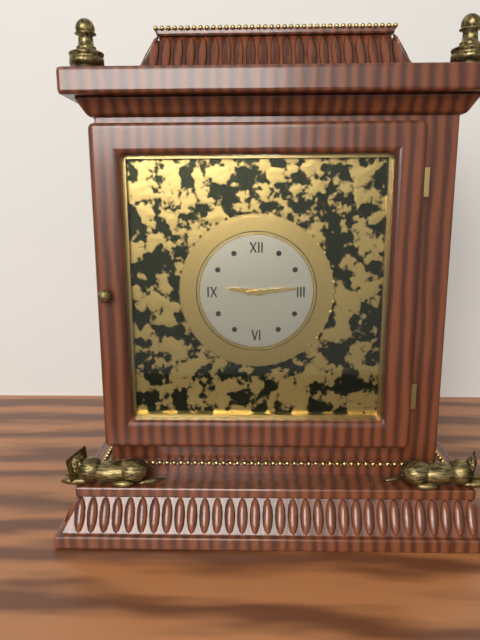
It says 9:14
